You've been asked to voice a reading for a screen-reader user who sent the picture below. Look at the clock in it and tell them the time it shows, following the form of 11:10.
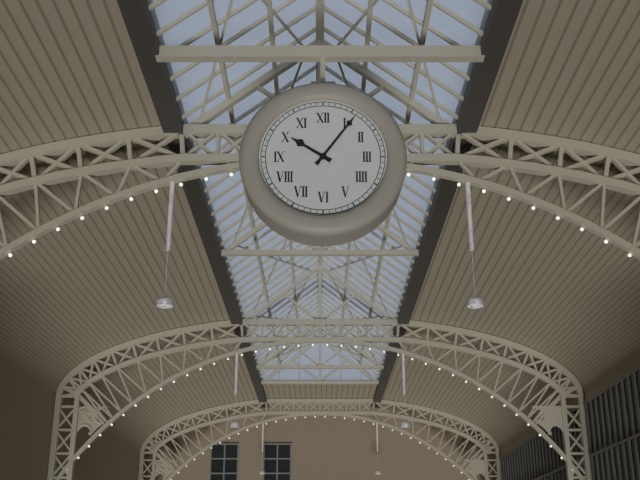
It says 10:06
